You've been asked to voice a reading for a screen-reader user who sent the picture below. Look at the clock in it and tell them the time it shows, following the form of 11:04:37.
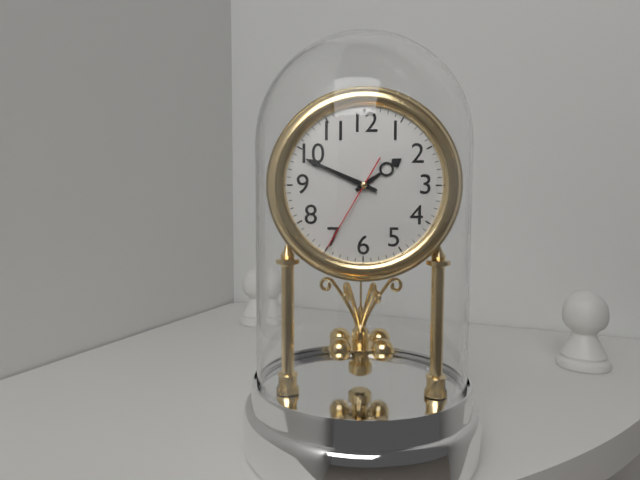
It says 1:49:35
